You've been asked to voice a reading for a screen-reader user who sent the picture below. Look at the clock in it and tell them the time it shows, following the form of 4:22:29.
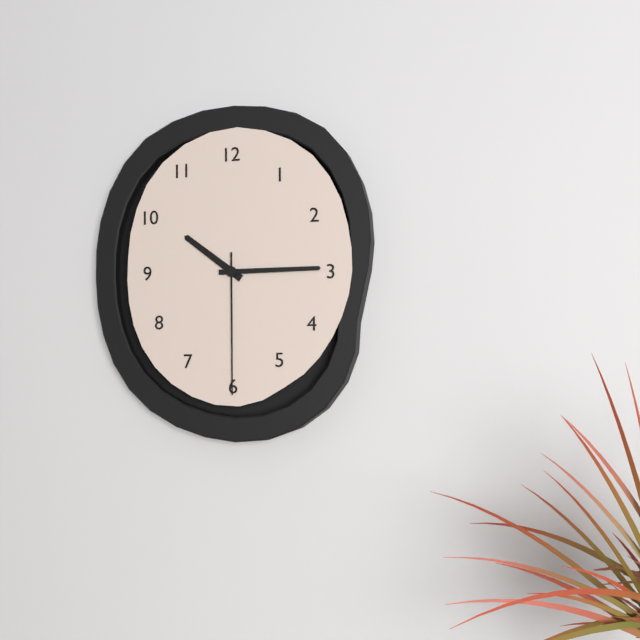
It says 10:15:30
